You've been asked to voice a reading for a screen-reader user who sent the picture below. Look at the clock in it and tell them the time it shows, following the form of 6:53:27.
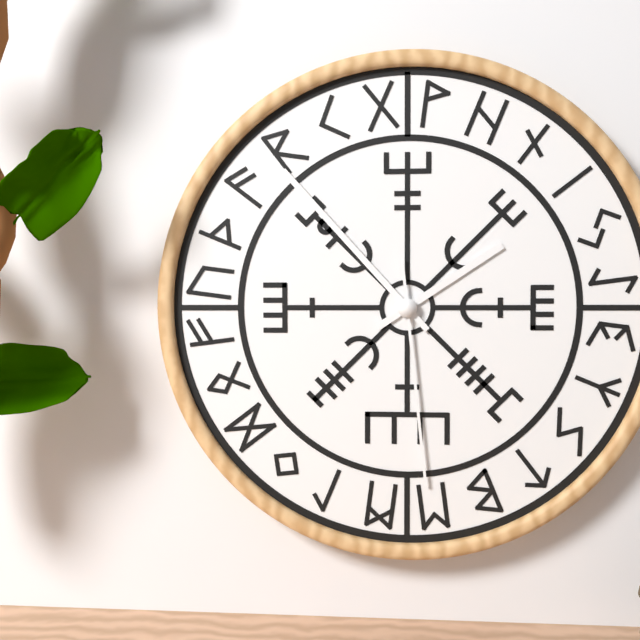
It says 1:53:29
